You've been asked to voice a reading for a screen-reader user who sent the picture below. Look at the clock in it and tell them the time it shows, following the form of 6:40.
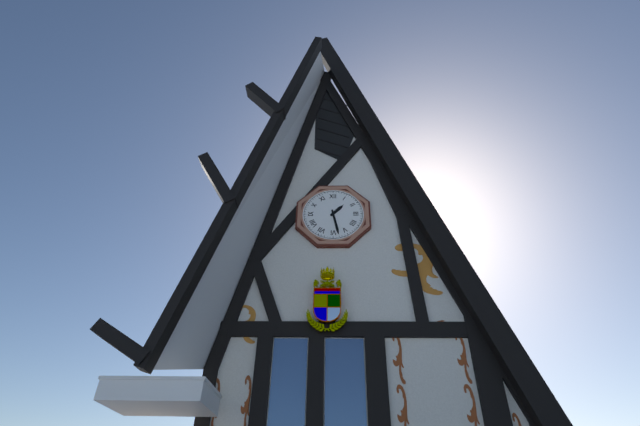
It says 1:28
